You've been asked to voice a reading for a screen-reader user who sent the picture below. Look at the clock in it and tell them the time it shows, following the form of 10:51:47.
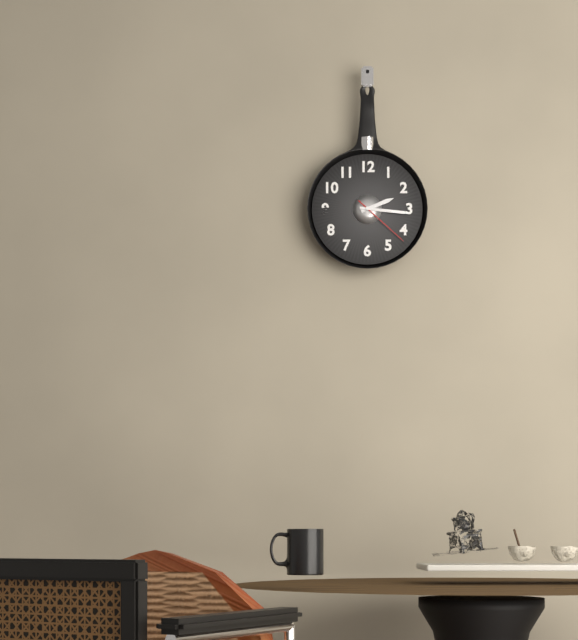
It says 2:16:22
